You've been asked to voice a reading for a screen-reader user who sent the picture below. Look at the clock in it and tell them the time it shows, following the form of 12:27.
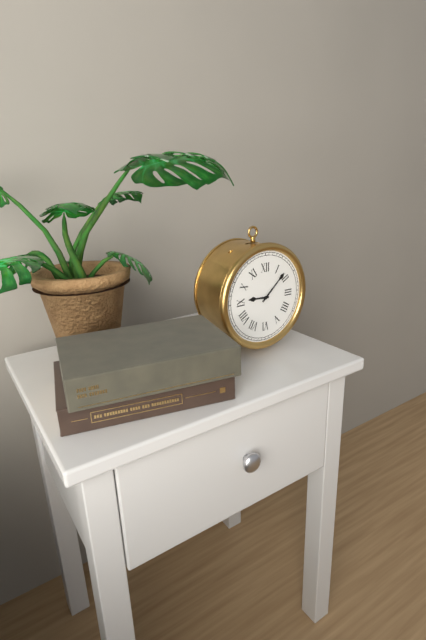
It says 9:08
